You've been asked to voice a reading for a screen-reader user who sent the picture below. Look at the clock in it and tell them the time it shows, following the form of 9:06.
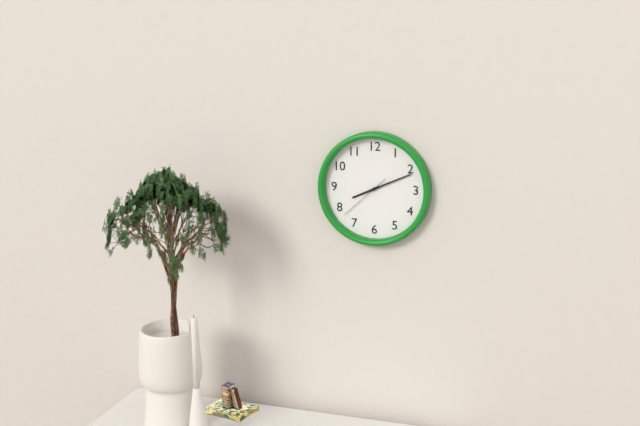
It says 8:11
